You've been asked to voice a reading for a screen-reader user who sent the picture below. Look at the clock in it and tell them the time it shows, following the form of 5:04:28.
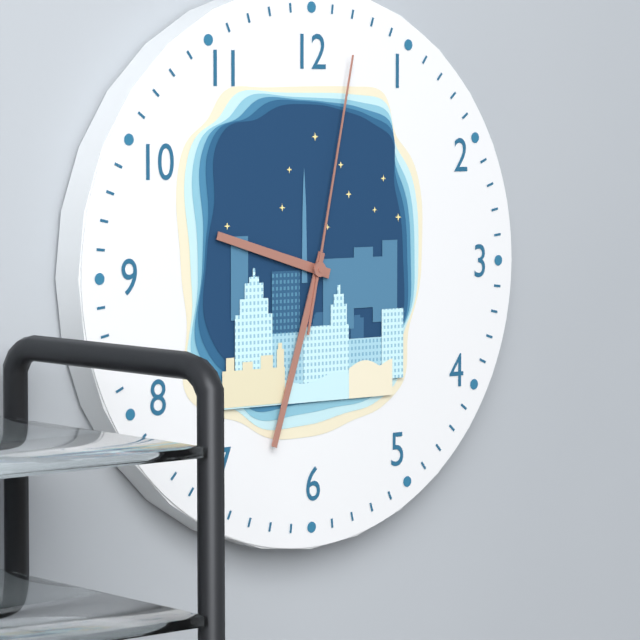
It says 9:33:02
